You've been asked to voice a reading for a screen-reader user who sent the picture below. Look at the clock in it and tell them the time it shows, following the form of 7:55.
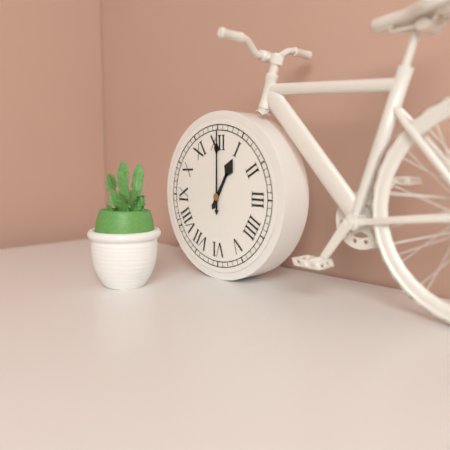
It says 1:00
